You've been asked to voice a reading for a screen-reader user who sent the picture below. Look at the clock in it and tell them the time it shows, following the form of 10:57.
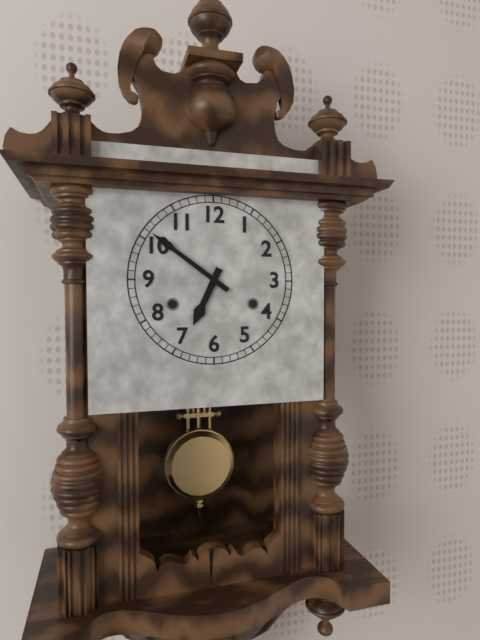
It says 6:51
